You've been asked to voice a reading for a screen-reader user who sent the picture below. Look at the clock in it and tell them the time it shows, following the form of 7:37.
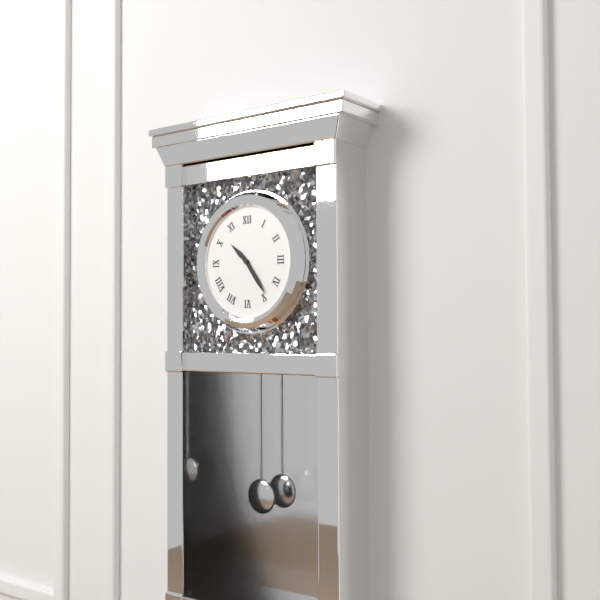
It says 10:24
